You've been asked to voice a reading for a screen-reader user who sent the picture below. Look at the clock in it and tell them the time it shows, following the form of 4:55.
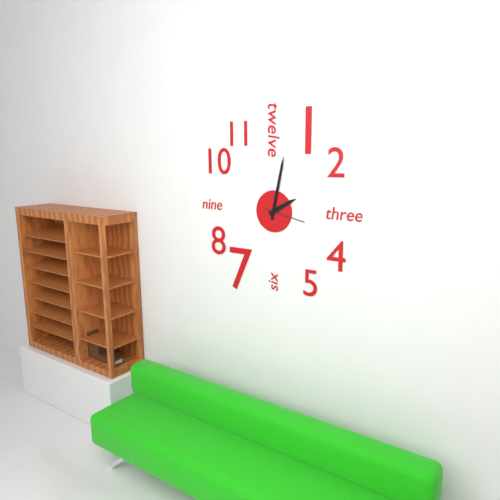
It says 2:02
